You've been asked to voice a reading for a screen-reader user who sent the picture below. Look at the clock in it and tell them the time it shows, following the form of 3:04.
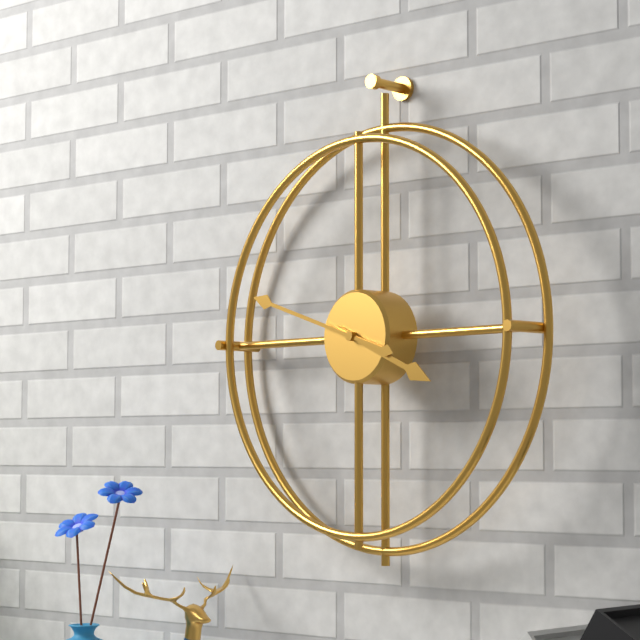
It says 3:48
